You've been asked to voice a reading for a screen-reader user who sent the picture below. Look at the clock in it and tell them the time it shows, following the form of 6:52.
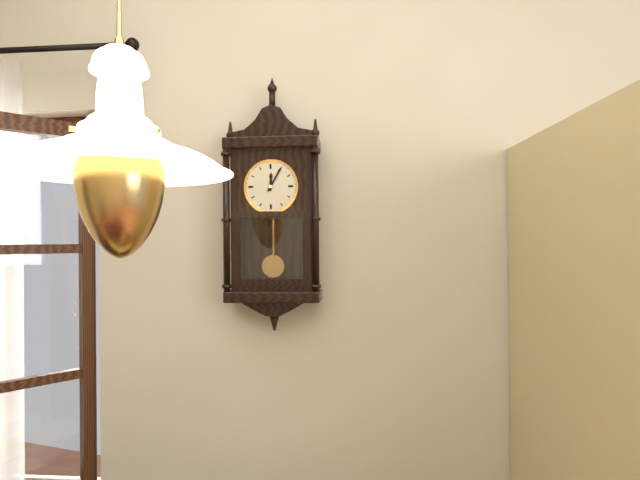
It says 12:05
